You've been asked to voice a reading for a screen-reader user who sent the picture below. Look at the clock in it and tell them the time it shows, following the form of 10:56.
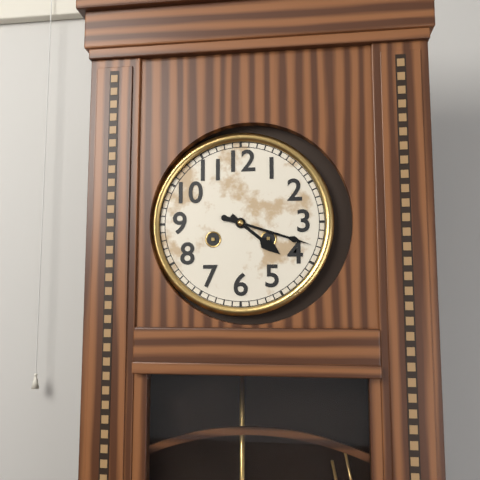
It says 4:18
